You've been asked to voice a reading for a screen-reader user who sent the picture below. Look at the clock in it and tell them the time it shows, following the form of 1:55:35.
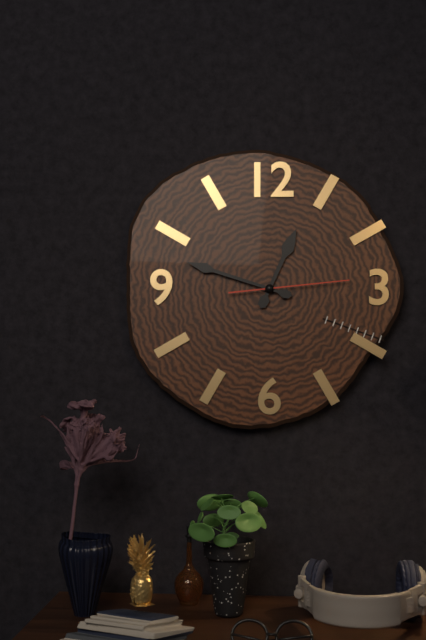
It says 12:48:14
